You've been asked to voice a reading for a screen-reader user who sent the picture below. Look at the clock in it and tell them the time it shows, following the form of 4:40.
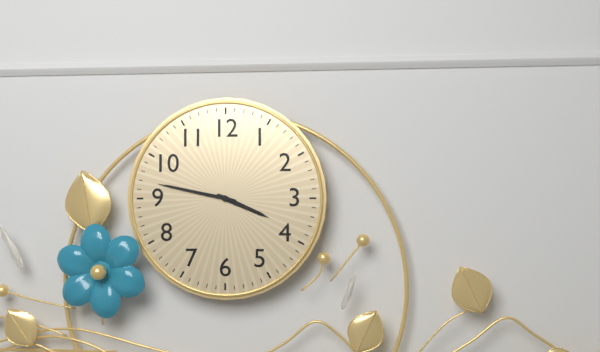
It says 3:47
